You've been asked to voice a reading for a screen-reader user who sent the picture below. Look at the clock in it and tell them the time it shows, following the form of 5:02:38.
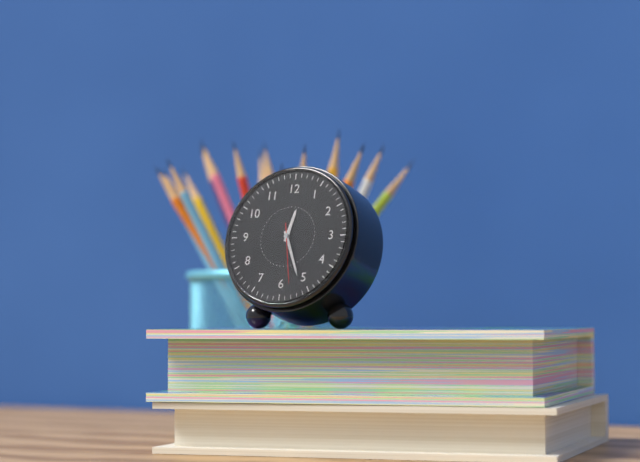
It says 12:26:28
